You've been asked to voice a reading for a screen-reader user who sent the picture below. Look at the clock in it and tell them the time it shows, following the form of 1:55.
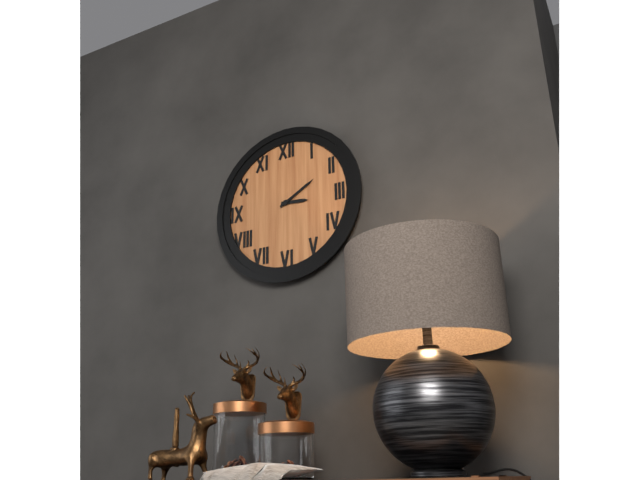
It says 3:10
